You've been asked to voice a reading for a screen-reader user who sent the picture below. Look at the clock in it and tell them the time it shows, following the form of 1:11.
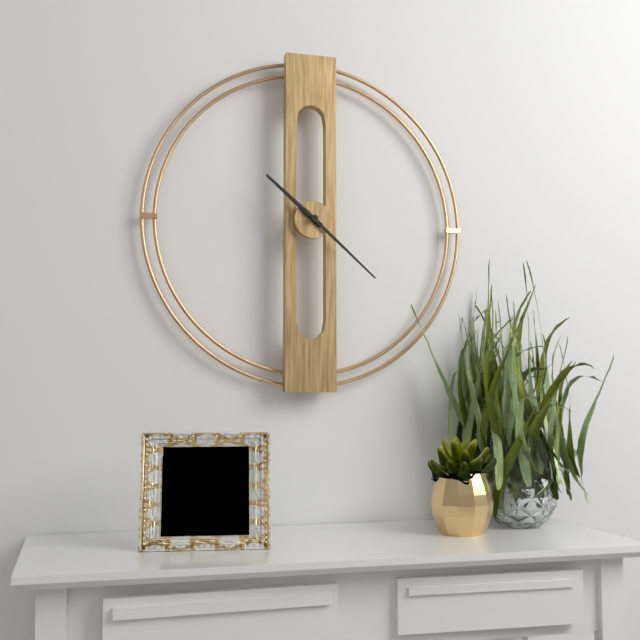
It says 10:22
